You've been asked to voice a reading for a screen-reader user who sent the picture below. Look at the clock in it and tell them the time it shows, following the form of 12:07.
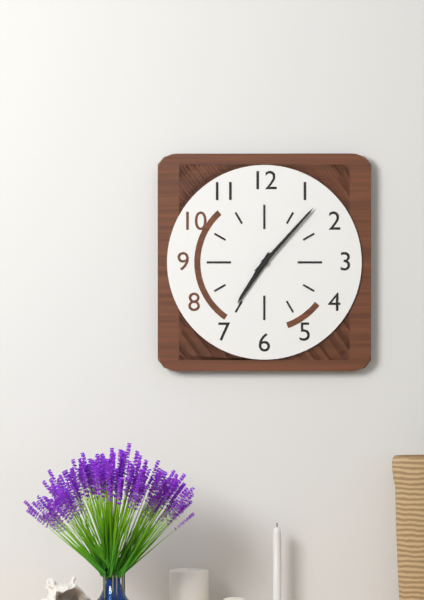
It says 7:07
